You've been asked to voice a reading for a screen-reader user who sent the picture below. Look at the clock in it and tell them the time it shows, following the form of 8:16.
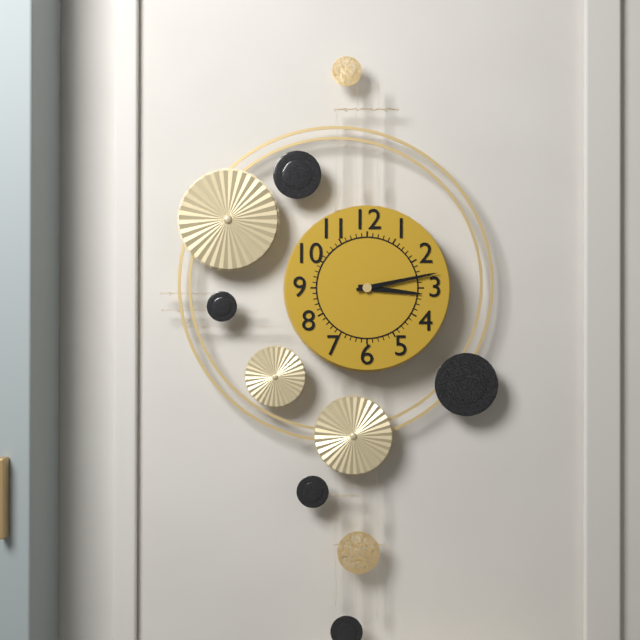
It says 3:13
